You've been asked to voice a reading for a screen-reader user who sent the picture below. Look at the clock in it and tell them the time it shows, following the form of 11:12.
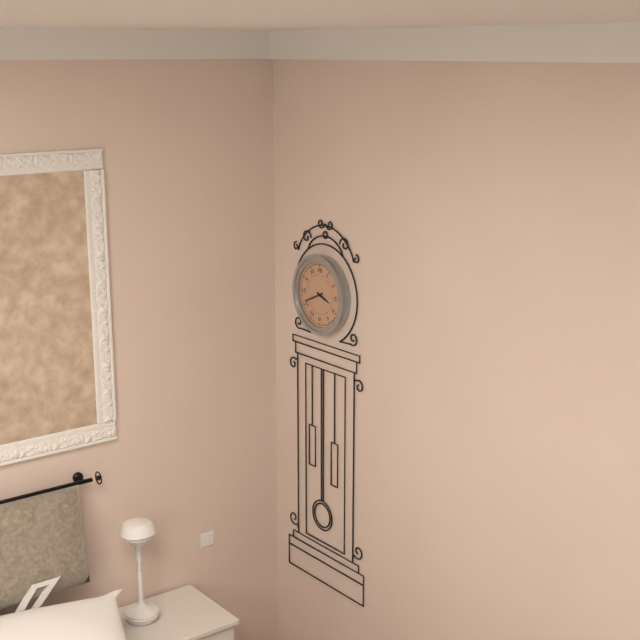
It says 3:41
